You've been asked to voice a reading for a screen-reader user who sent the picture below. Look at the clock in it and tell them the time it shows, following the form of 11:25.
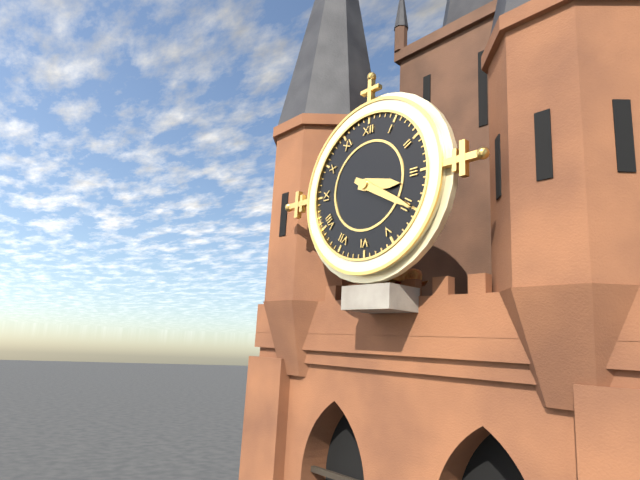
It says 3:20
